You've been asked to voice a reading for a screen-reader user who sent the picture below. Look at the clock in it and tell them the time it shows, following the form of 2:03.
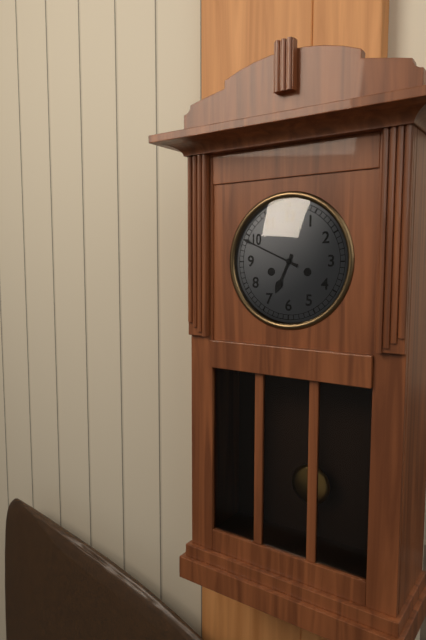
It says 6:49
